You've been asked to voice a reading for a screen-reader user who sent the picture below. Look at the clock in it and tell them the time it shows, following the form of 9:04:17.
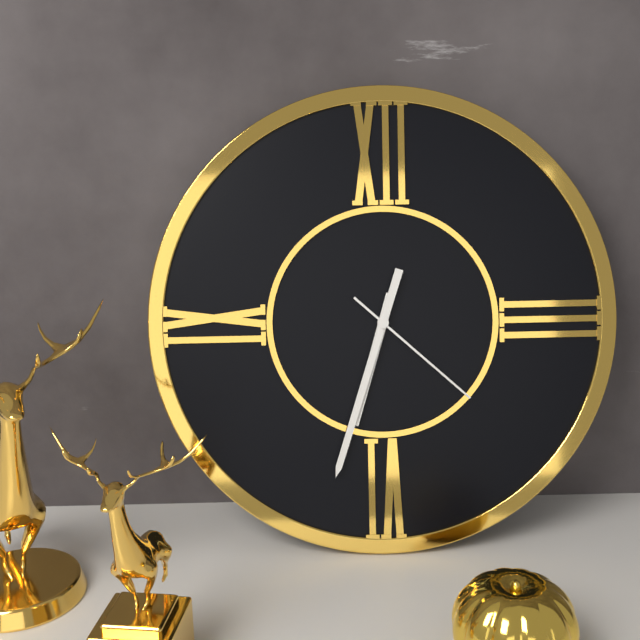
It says 6:33:22
